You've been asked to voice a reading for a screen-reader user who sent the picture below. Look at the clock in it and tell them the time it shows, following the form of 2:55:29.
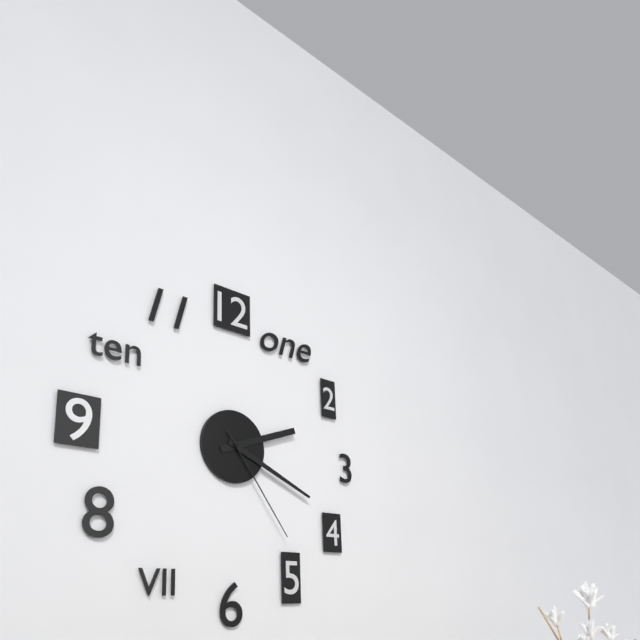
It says 2:19:24
